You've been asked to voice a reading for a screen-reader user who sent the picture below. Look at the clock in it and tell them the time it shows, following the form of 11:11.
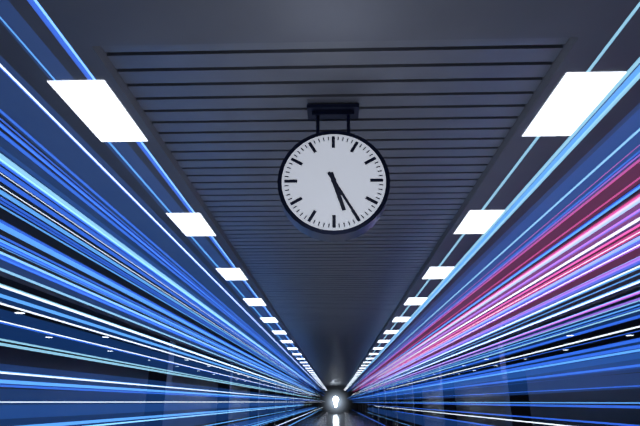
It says 5:25
